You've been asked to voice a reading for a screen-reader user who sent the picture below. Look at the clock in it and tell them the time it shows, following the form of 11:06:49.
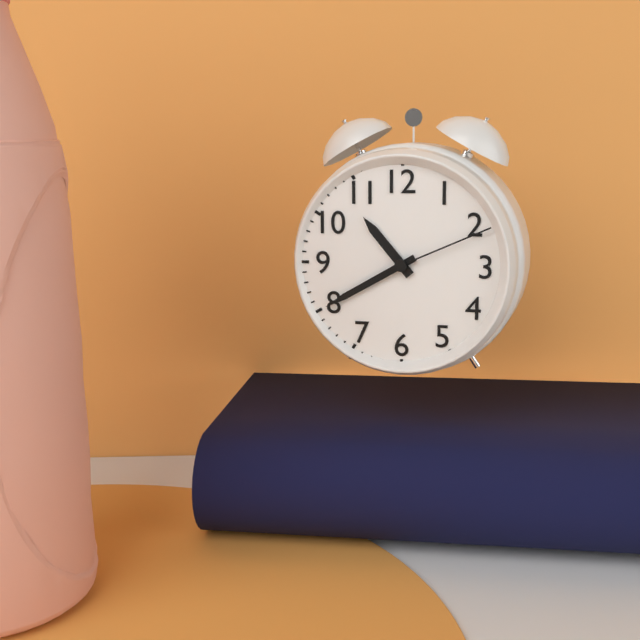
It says 10:40:11
